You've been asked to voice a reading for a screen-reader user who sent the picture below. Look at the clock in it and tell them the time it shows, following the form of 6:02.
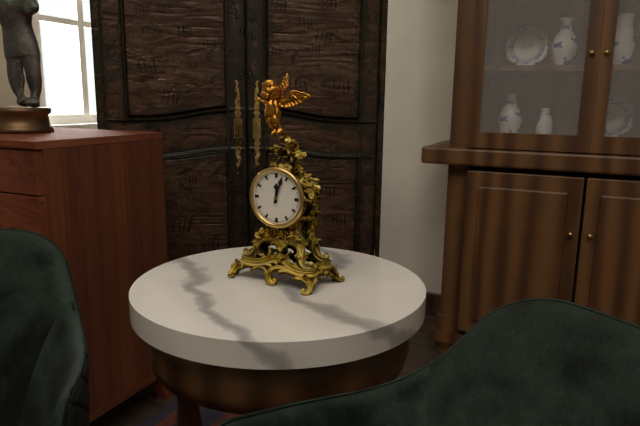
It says 12:03
